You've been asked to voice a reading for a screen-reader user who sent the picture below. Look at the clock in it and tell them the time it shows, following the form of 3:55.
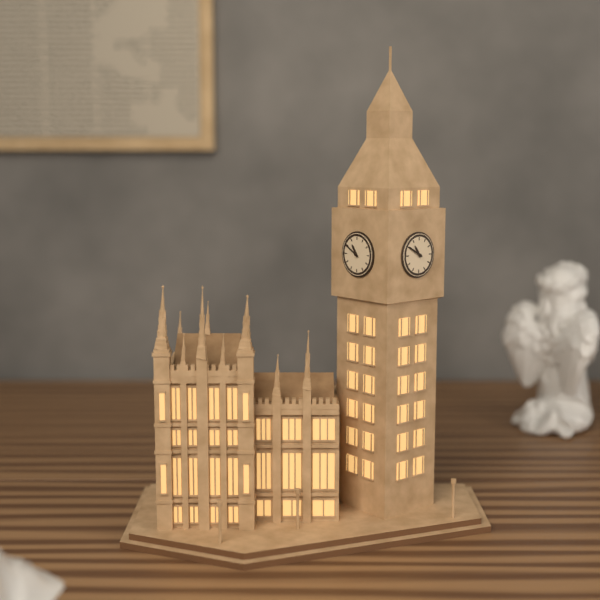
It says 10:50
